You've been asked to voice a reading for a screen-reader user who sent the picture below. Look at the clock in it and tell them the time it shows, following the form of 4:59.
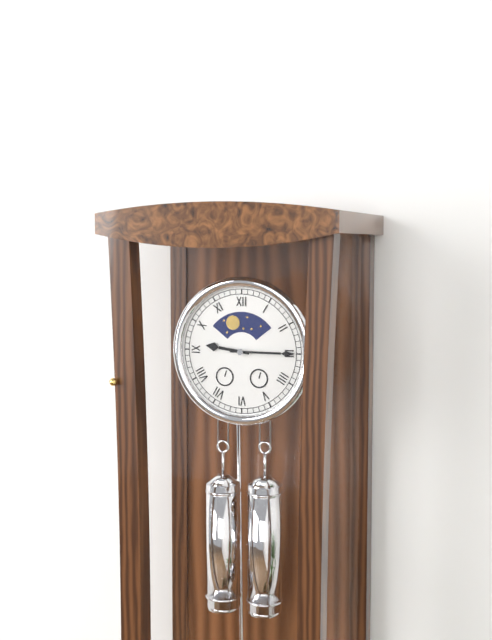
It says 9:15
